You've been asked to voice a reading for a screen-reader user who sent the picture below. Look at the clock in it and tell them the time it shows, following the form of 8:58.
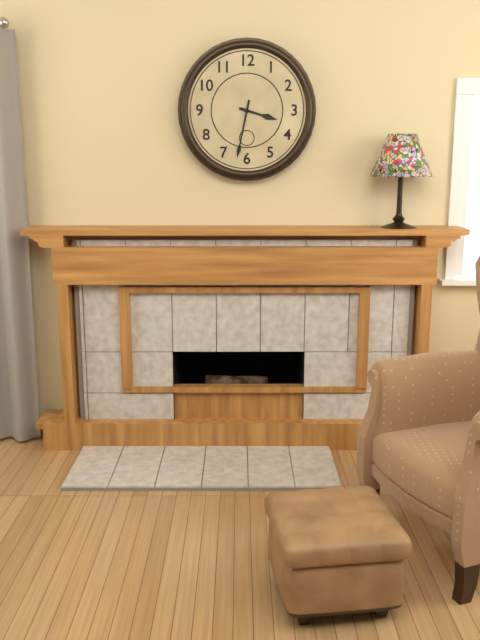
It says 3:32
